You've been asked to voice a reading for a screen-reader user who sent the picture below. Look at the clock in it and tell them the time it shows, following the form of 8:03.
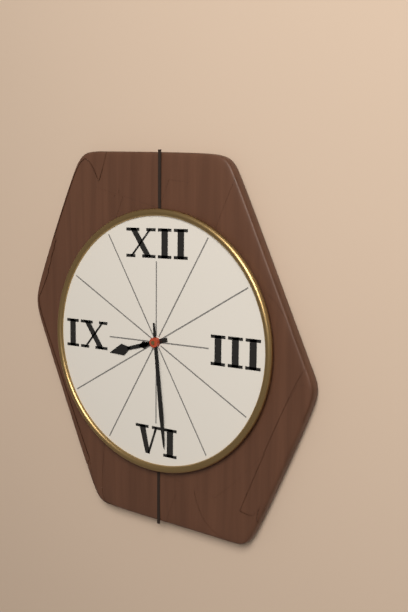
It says 8:29
